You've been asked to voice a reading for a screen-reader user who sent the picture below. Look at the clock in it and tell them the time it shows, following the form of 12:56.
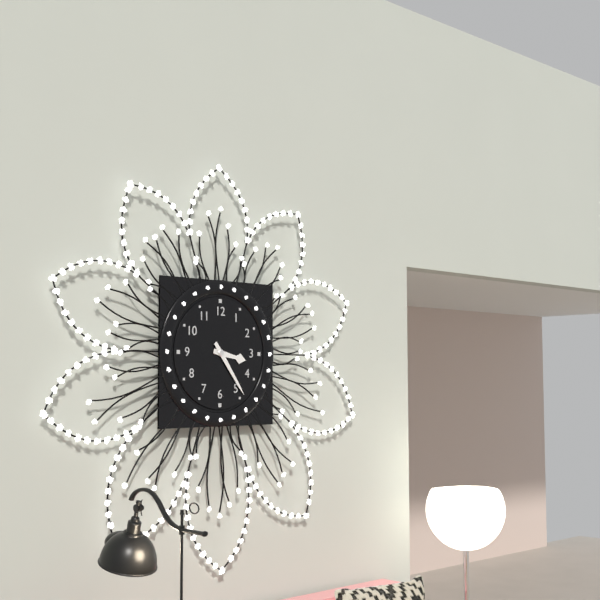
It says 3:24
